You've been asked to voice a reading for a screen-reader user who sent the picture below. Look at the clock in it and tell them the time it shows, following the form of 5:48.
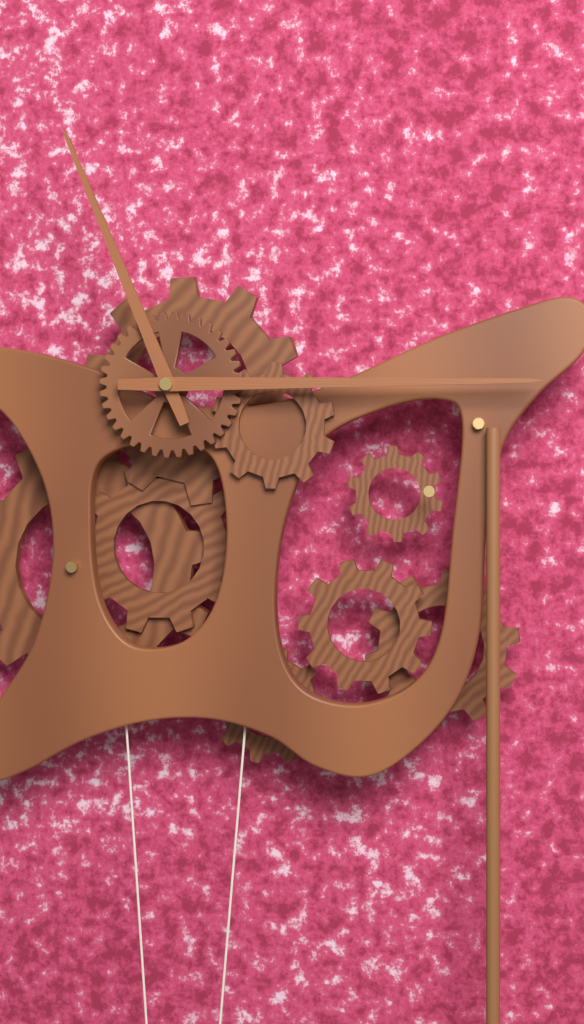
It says 11:15
